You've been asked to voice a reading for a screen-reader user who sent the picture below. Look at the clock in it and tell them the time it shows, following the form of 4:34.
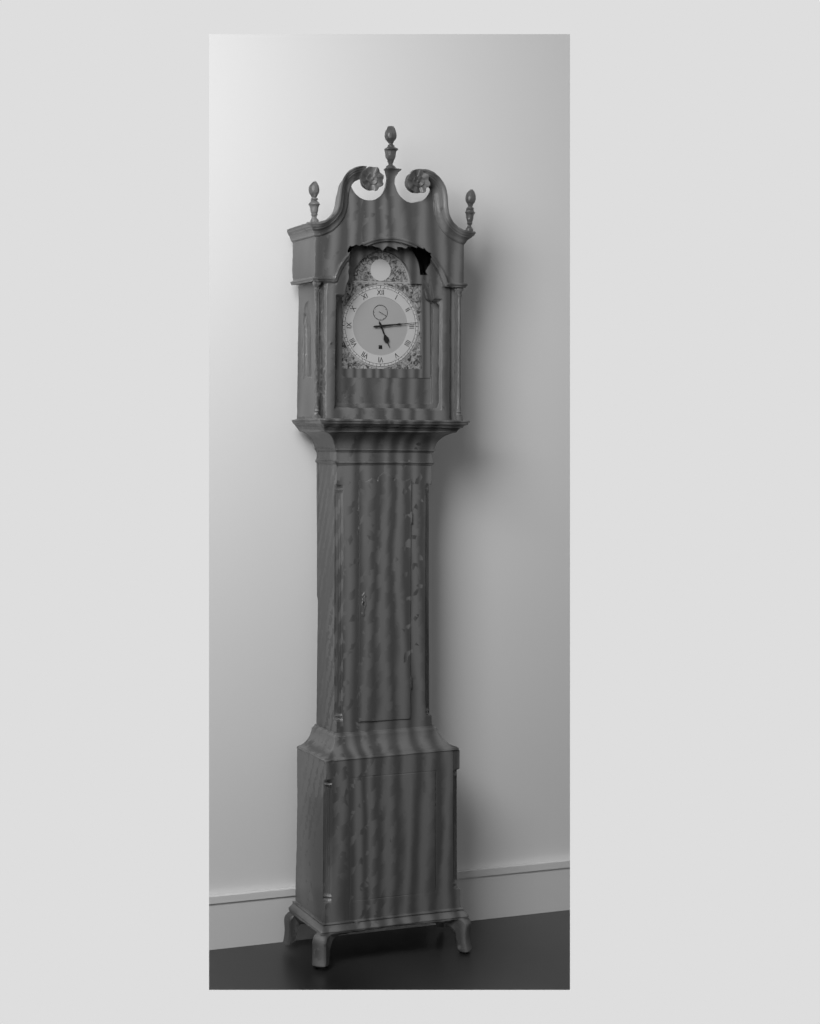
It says 5:14
